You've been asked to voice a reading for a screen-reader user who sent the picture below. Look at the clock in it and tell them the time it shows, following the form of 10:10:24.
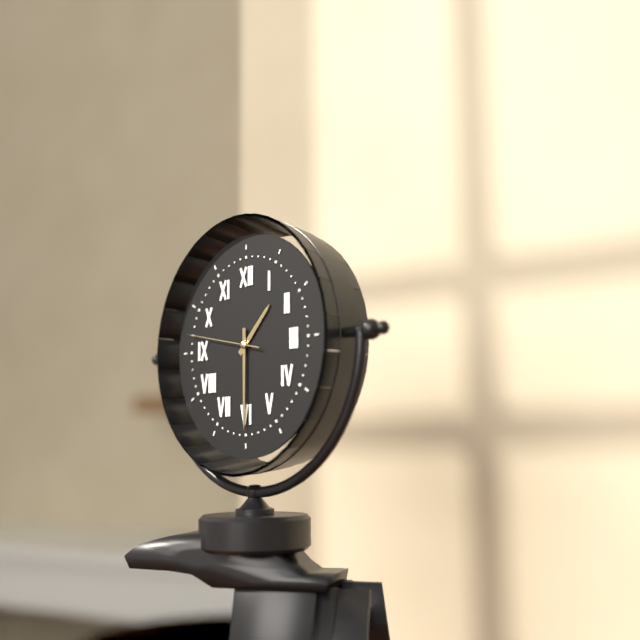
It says 1:30:47
